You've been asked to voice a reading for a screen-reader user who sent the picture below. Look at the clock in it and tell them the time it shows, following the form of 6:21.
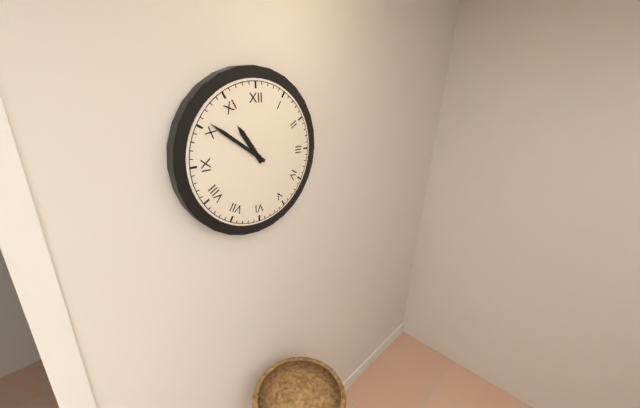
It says 10:51
